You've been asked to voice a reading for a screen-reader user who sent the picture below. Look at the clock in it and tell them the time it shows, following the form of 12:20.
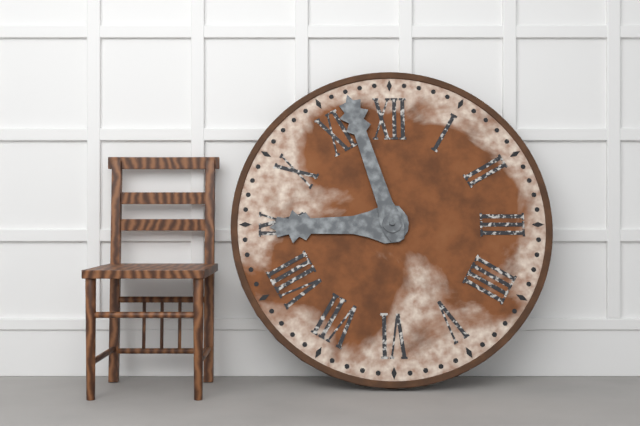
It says 8:57
